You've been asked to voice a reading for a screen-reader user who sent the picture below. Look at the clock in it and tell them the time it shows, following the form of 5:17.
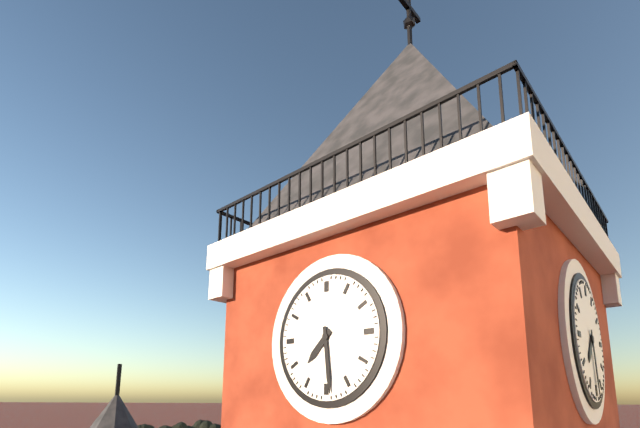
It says 7:29
